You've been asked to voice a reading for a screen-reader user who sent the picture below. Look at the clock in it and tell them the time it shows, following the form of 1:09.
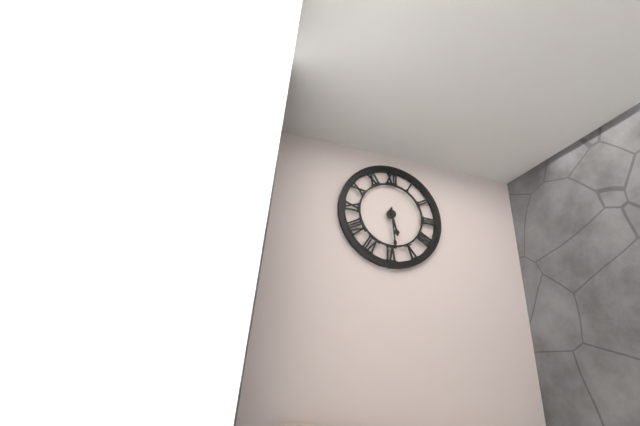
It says 5:29
